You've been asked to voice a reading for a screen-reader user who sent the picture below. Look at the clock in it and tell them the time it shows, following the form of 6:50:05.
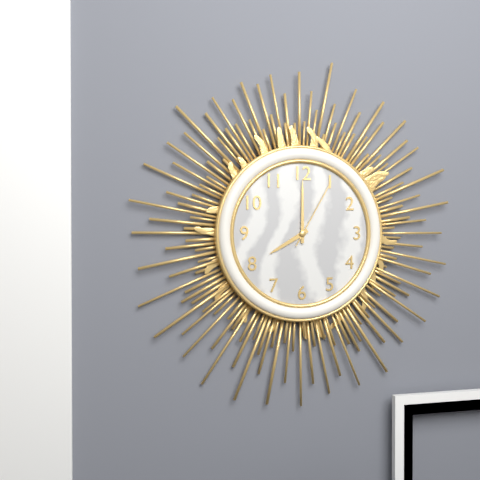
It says 8:00:05
